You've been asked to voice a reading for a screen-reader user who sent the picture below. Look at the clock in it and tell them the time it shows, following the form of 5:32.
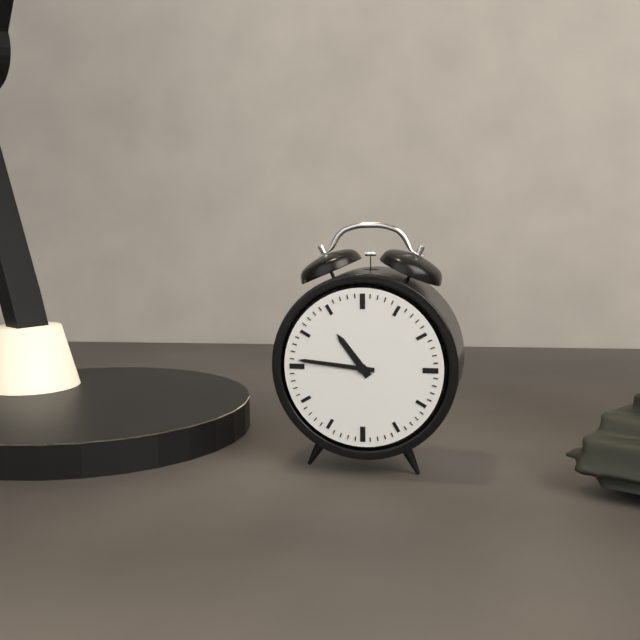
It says 10:46
